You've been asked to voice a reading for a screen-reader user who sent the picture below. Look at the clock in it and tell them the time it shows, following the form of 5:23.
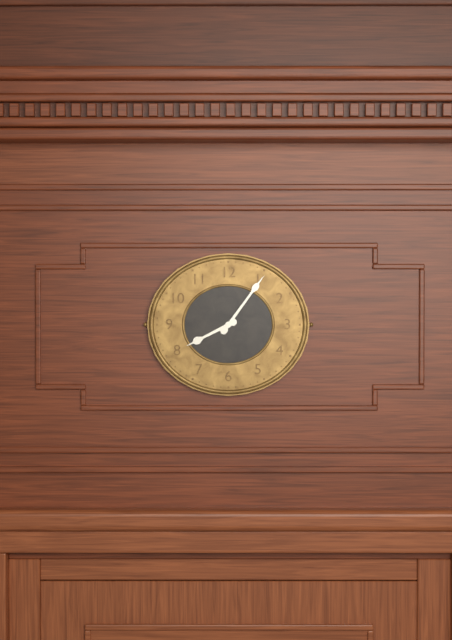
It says 8:06
